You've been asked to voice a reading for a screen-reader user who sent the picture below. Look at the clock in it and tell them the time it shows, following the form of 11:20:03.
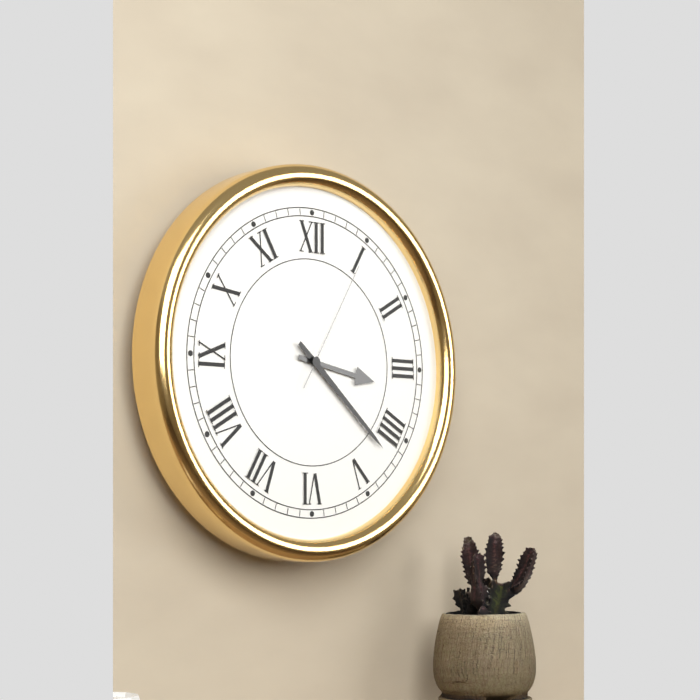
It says 3:22:05
